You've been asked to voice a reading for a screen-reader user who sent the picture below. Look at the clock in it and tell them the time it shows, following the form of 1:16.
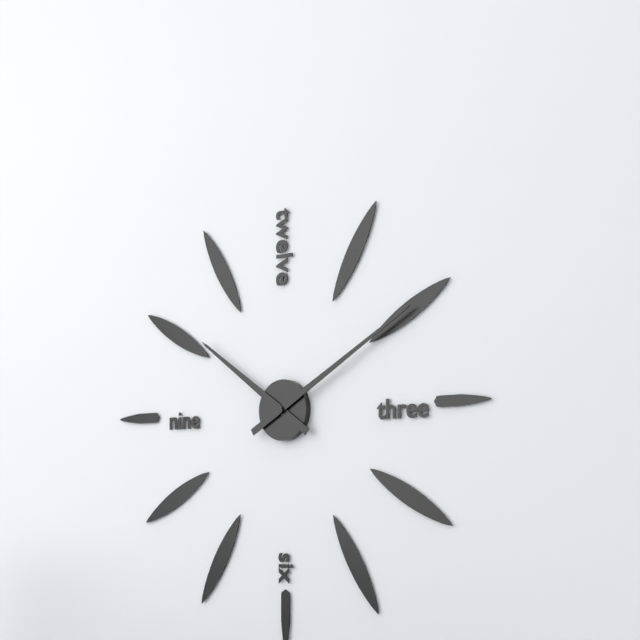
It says 10:10
